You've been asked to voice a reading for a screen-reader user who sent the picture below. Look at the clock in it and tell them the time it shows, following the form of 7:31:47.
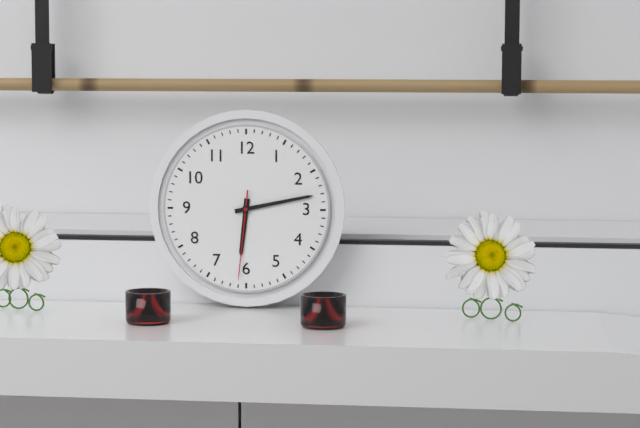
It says 6:13:31
